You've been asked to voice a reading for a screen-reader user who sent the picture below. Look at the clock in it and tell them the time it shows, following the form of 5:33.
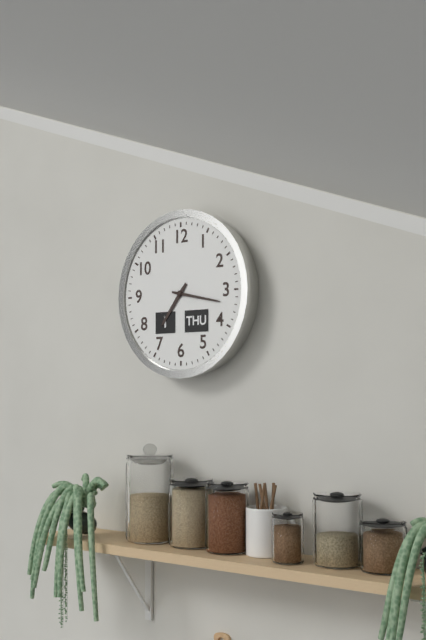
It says 7:17
